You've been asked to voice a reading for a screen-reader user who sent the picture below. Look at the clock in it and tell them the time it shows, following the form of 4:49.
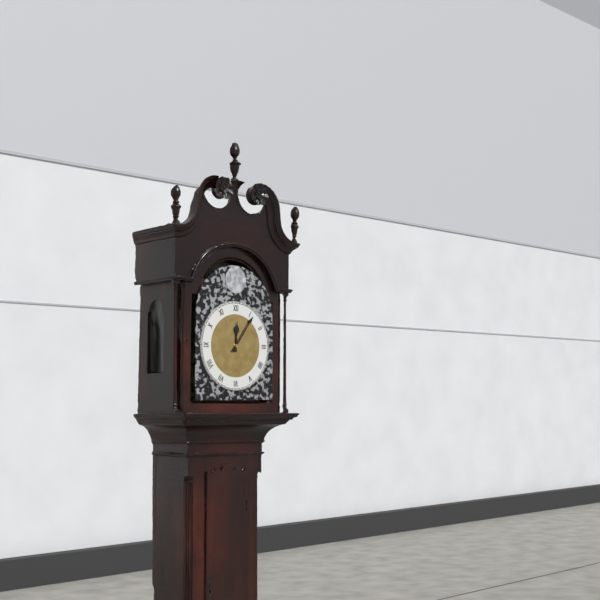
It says 12:06
